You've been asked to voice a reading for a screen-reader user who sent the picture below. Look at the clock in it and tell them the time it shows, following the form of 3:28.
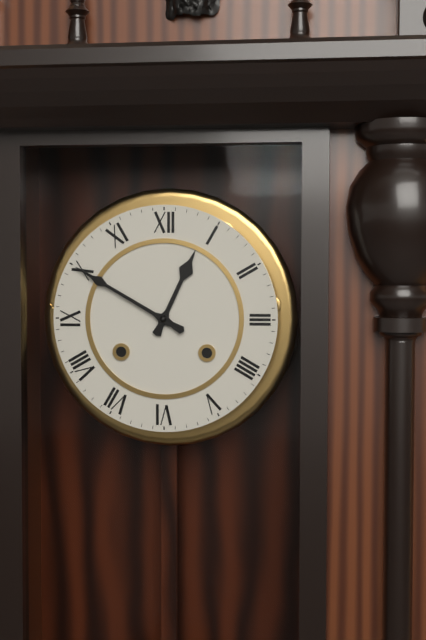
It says 12:50
